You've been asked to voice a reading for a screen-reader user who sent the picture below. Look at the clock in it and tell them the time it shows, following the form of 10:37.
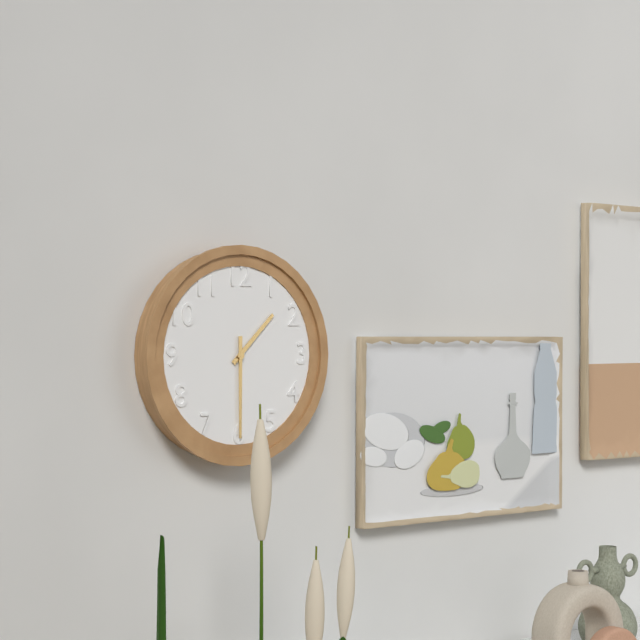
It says 1:30
